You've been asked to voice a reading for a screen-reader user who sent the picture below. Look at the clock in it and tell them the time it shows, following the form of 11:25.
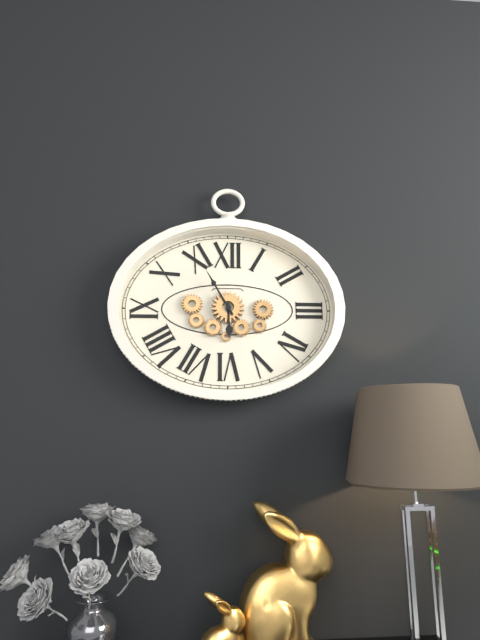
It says 5:55
